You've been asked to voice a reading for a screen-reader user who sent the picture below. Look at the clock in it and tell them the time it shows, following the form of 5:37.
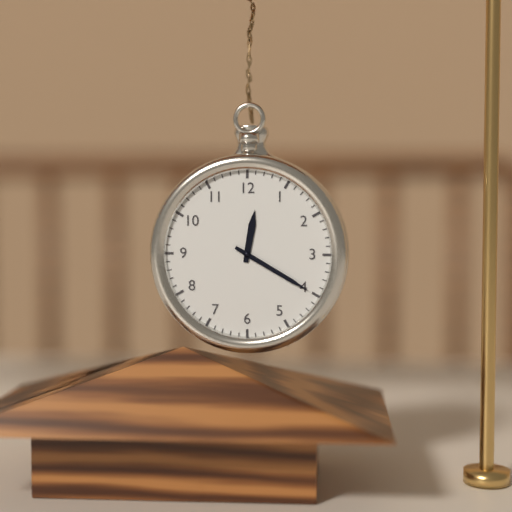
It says 12:20
